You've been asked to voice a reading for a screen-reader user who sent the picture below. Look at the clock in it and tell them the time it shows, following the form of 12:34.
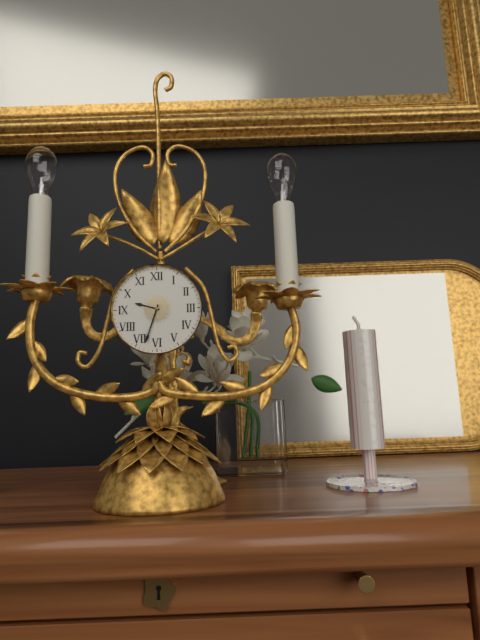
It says 9:33
